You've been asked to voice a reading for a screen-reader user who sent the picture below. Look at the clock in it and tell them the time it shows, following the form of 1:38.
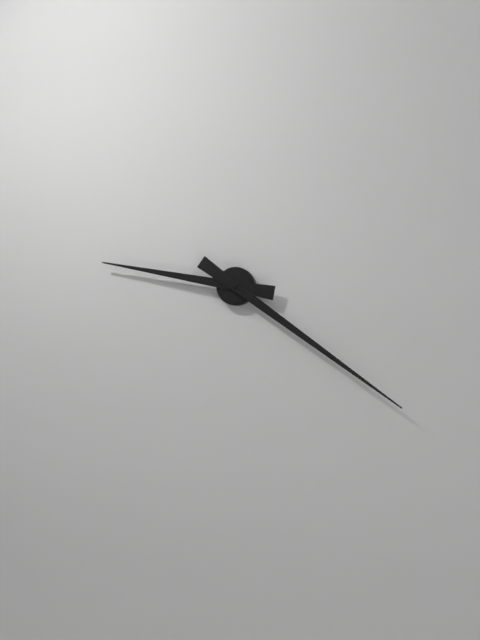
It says 9:21
